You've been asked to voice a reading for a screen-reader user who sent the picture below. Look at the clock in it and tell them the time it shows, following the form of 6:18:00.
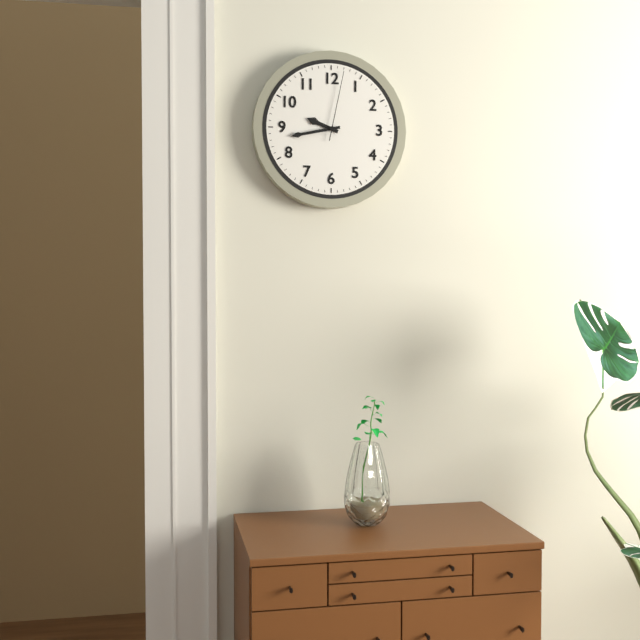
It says 9:43:02
